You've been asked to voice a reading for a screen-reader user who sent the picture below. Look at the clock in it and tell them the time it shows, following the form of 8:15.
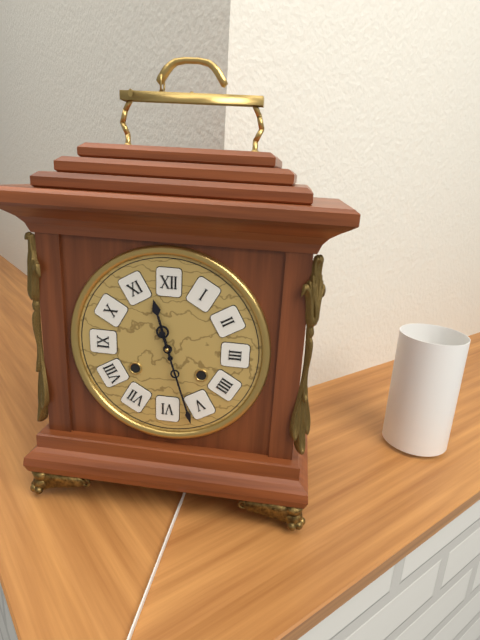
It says 11:27
